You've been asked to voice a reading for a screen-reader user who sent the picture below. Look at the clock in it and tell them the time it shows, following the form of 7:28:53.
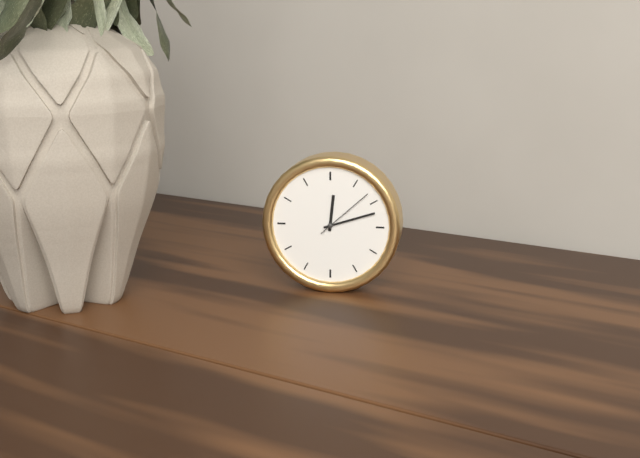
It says 12:12:08
